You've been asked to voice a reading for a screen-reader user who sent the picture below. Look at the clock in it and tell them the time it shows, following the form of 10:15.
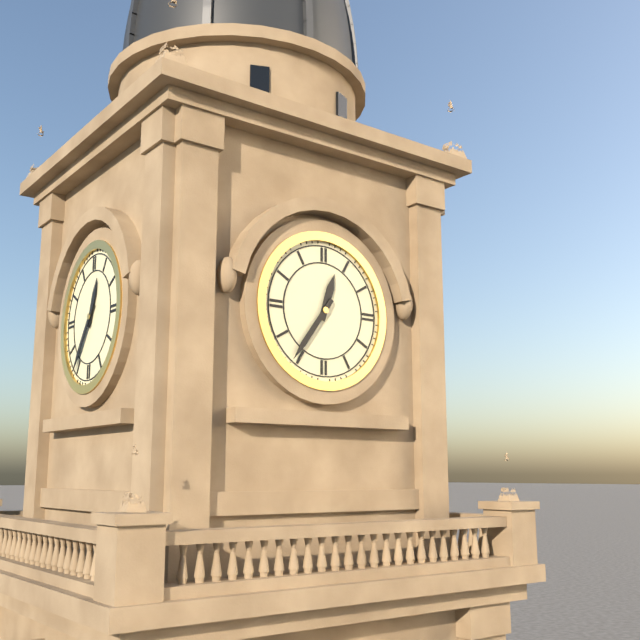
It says 12:36
